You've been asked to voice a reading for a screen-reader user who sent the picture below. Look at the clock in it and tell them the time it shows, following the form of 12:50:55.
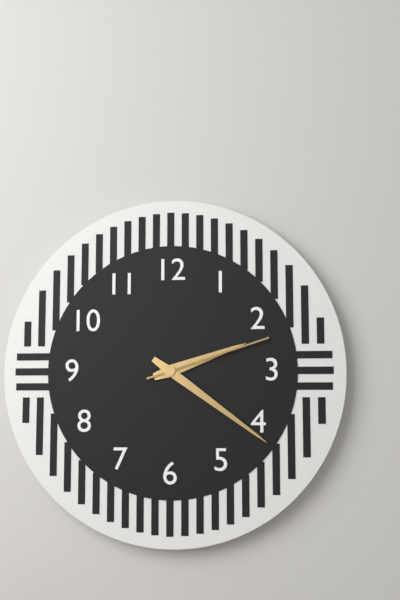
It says 2:21:12
